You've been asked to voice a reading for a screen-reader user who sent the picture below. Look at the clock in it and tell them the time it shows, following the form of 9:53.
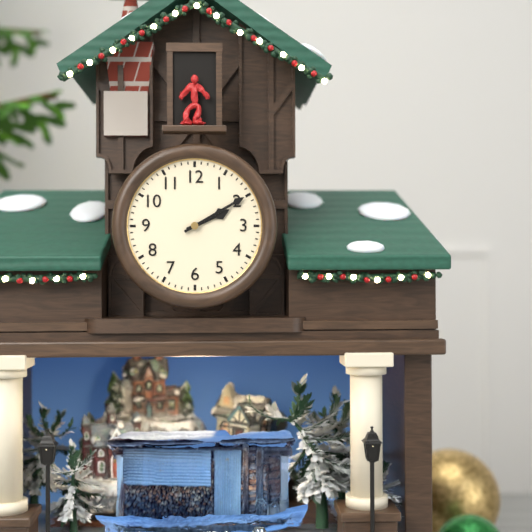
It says 2:10
